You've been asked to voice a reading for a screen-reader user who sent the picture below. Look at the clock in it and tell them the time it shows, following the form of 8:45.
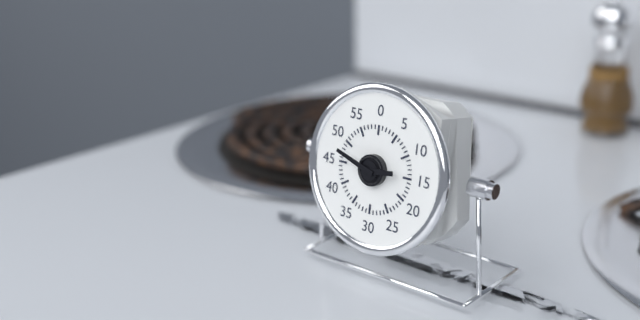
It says 2:48
